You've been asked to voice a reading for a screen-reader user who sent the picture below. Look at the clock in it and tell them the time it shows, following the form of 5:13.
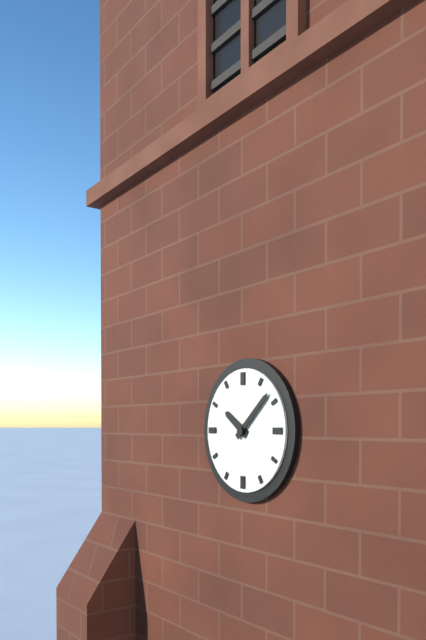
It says 10:08
